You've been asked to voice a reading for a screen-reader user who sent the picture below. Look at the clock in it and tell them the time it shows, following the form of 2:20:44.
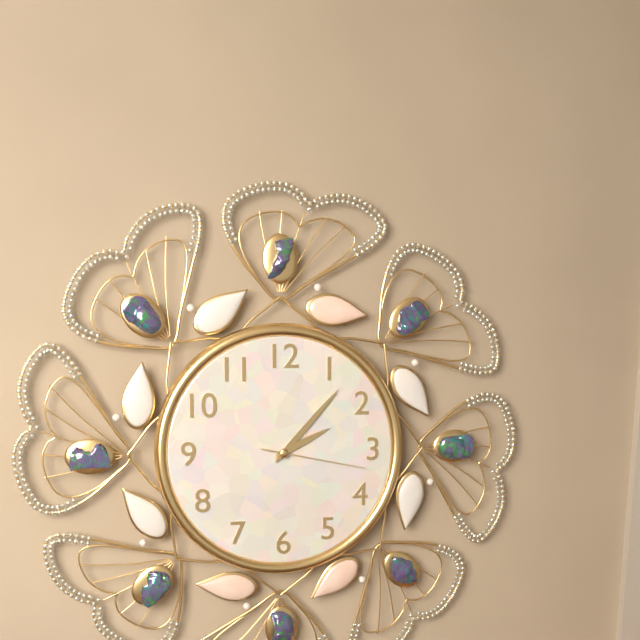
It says 2:07:17
